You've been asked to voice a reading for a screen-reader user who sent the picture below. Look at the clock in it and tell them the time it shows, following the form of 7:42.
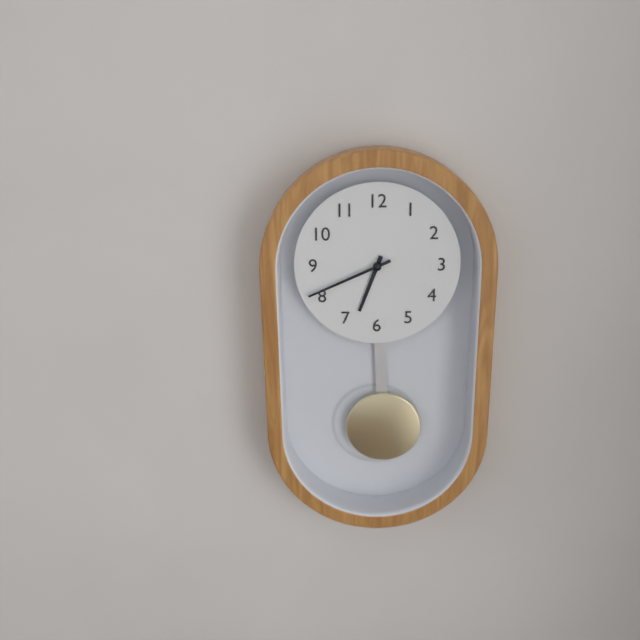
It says 6:41
